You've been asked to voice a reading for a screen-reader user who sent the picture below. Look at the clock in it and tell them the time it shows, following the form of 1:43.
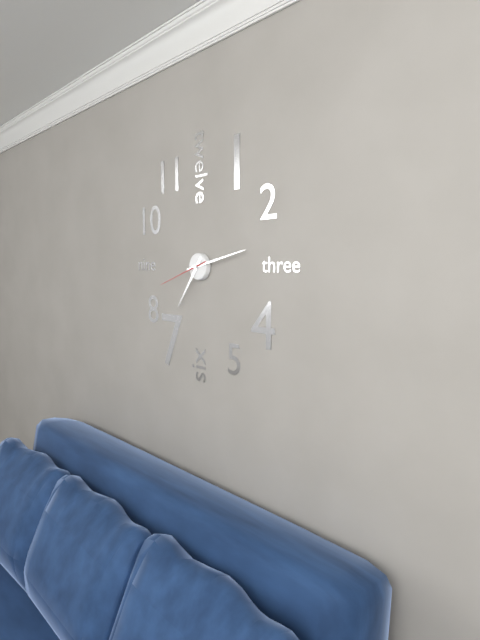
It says 7:13
